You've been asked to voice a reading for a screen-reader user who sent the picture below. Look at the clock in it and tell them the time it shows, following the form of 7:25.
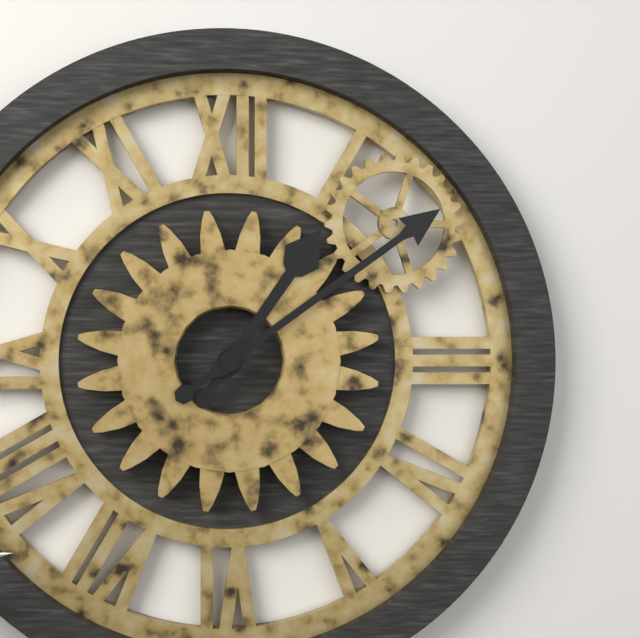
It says 1:09
